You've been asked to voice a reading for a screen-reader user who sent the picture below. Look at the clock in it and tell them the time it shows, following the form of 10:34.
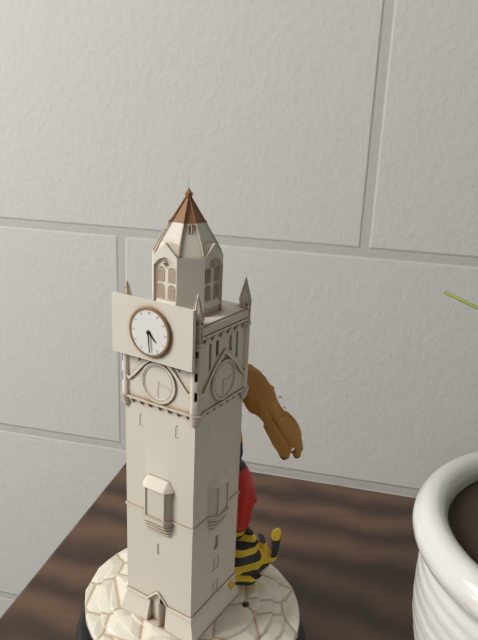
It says 4:29
